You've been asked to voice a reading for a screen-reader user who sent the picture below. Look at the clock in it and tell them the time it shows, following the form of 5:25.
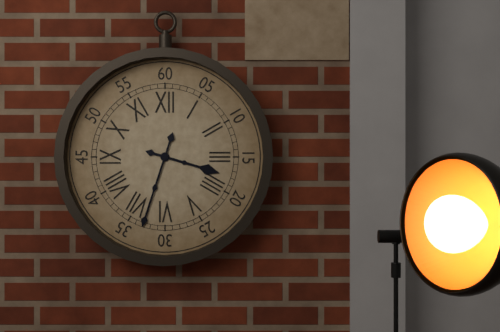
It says 3:33
